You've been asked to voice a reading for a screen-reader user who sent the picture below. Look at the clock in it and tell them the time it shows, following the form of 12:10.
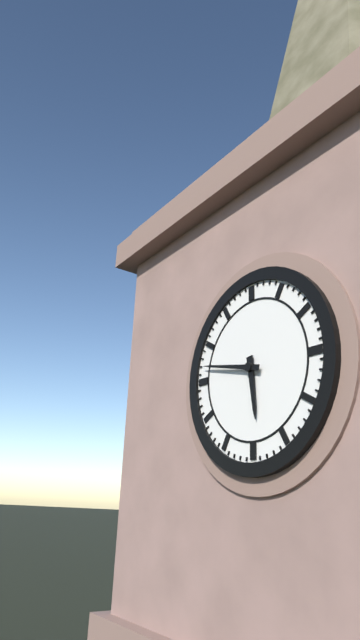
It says 5:47
